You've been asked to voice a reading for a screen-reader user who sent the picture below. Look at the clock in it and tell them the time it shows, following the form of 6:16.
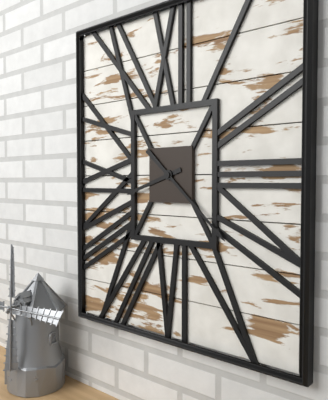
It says 8:22
